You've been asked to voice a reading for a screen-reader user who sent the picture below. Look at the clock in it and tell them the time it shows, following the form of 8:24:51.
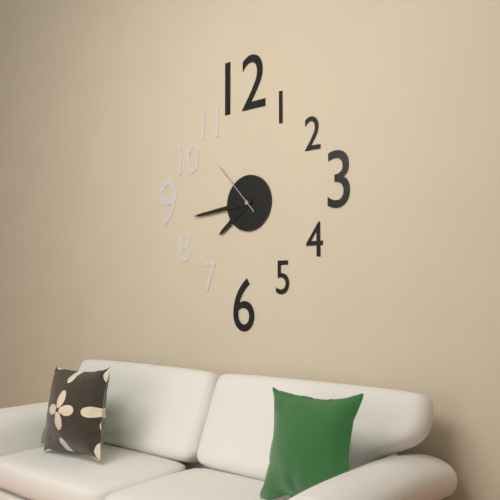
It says 7:44:53
